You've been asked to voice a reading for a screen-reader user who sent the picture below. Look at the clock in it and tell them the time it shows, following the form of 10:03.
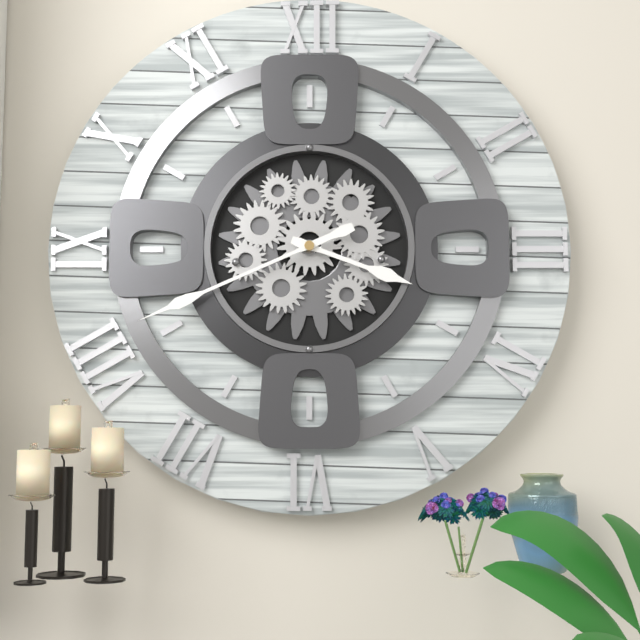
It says 3:41
